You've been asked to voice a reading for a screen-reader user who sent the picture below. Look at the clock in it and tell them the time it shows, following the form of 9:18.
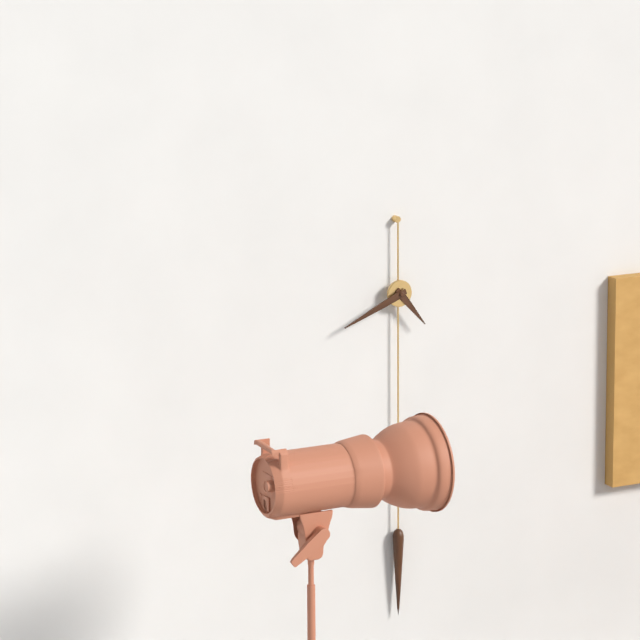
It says 4:41
